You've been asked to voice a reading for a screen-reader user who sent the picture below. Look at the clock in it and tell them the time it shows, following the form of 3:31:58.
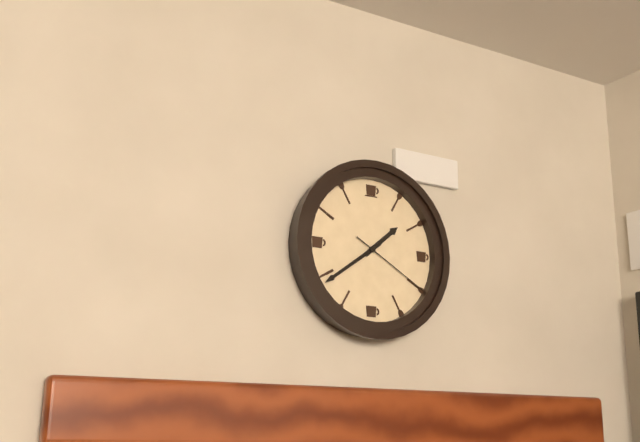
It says 1:39:20
